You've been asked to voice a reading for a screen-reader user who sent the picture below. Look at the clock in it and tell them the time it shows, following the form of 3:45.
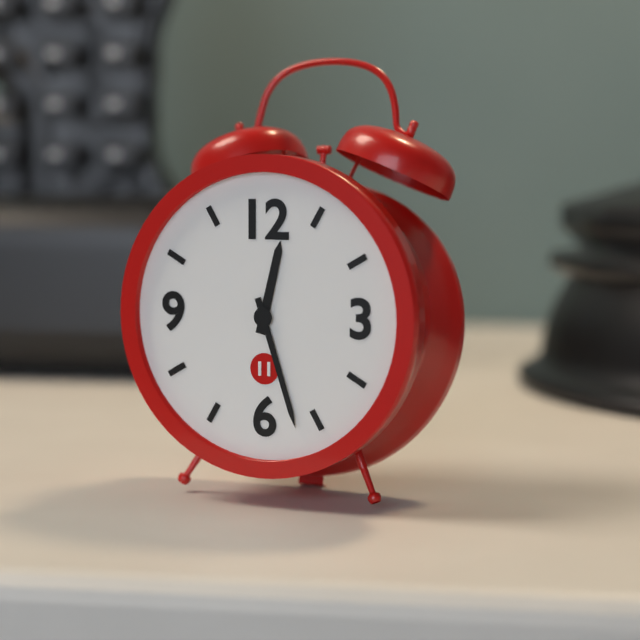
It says 12:27
